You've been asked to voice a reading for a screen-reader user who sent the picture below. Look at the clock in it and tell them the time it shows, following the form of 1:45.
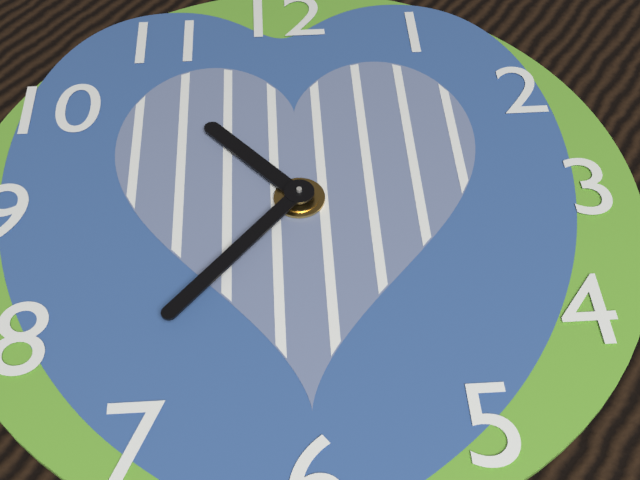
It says 10:37
